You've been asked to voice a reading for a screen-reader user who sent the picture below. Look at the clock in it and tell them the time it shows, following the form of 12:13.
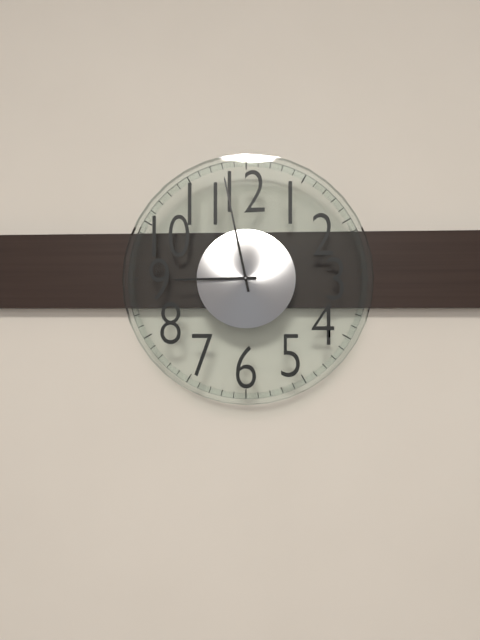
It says 8:58
